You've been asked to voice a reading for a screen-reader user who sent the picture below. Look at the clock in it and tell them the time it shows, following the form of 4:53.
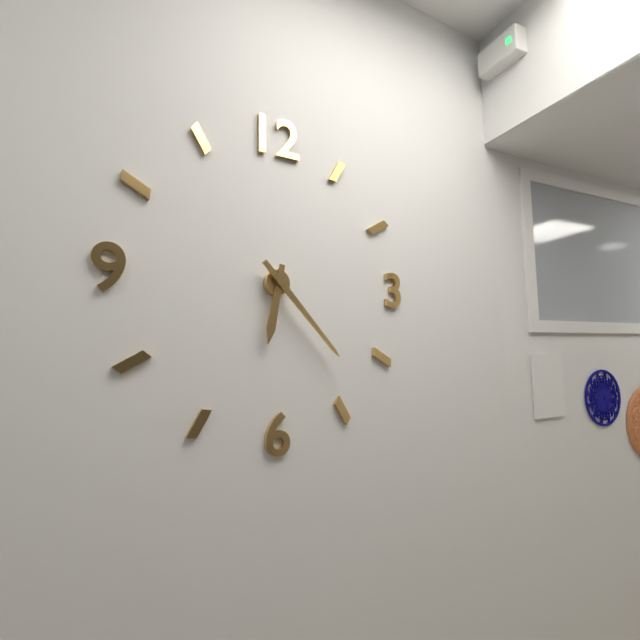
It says 6:23
